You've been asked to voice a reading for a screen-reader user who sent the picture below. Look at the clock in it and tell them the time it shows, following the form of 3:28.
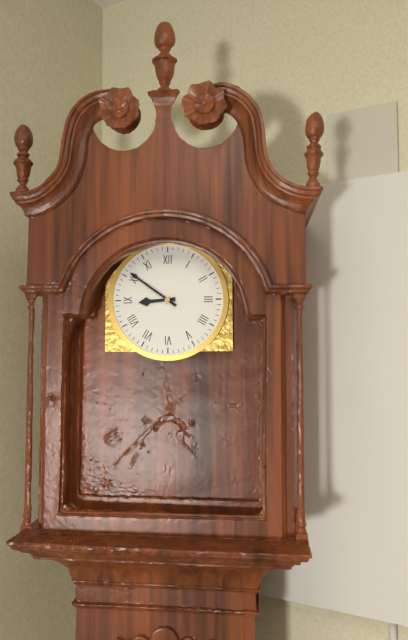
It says 8:51
